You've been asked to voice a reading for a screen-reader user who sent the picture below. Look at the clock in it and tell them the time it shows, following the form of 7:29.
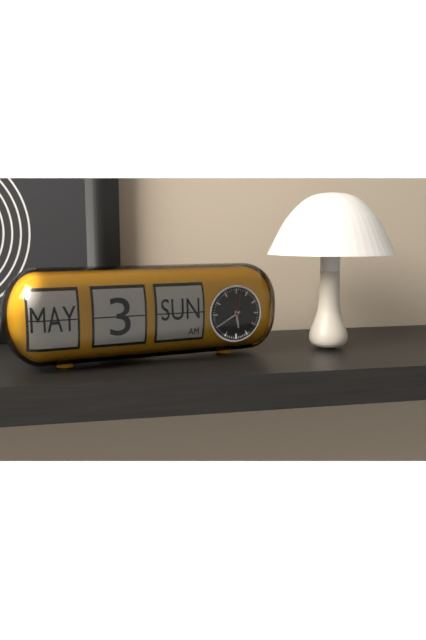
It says 5:40
